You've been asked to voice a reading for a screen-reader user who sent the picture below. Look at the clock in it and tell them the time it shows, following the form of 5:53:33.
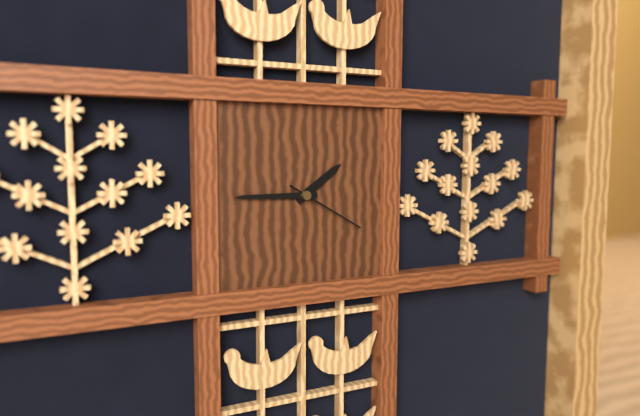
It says 1:45:20
